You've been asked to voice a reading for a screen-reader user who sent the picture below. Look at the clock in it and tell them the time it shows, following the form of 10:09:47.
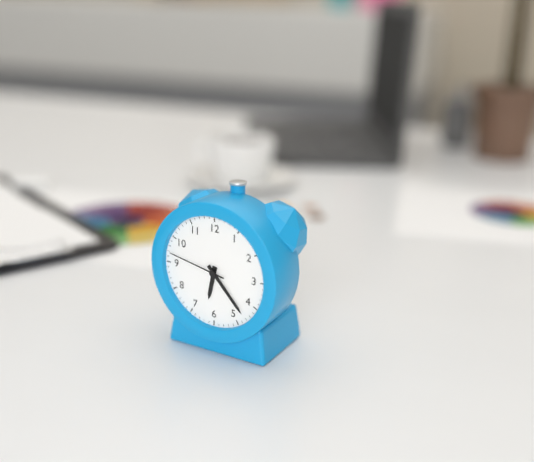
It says 6:23:47
